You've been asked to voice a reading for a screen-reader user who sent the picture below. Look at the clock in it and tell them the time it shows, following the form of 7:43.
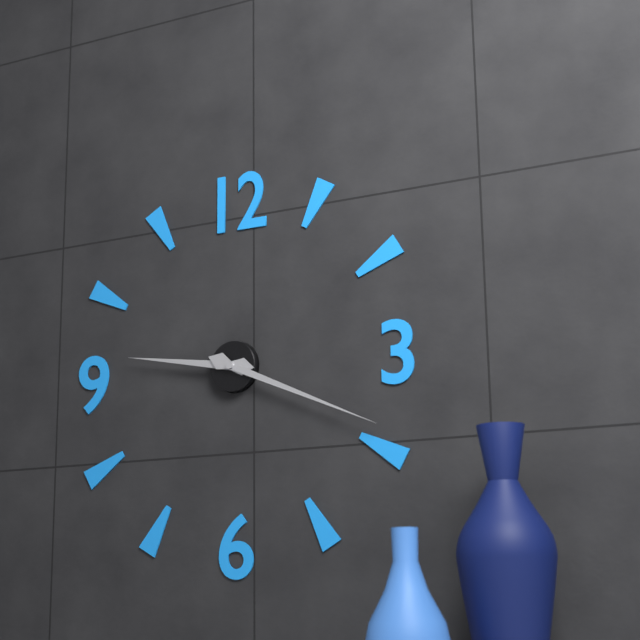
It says 9:19
